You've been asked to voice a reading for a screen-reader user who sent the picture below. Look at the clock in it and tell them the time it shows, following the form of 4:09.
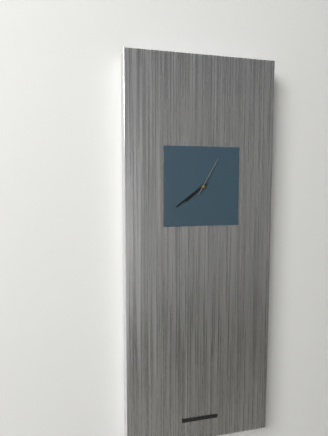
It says 7:39
